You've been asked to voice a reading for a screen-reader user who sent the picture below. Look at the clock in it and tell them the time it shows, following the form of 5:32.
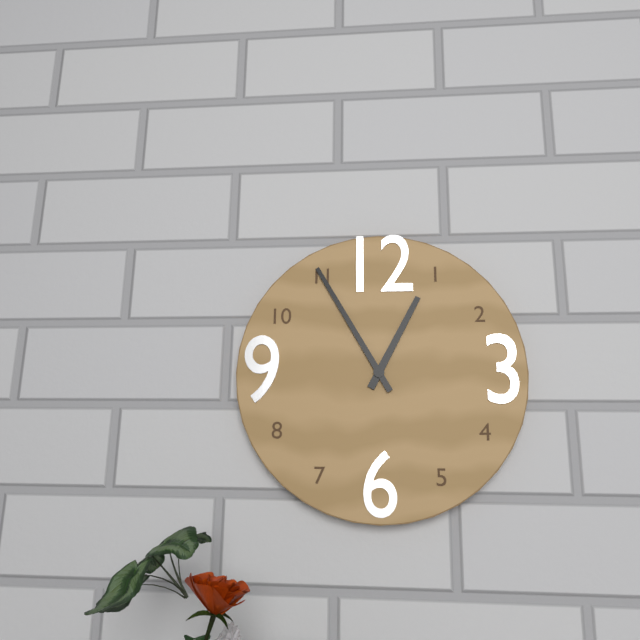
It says 12:55
